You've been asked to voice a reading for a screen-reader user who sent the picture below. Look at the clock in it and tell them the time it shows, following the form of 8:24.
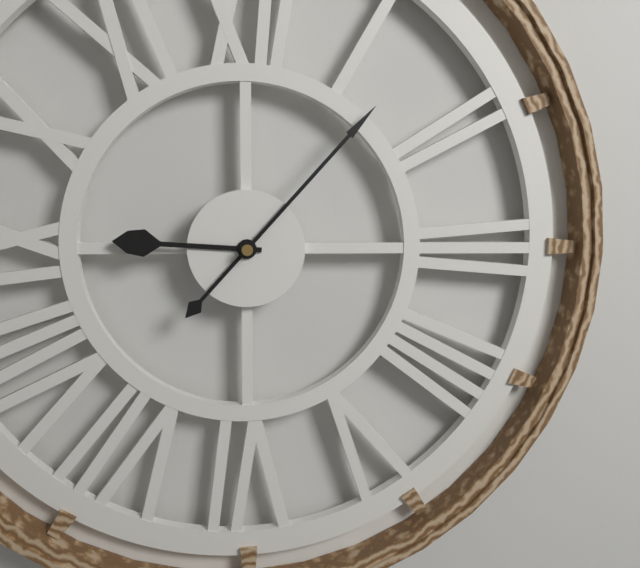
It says 9:07
